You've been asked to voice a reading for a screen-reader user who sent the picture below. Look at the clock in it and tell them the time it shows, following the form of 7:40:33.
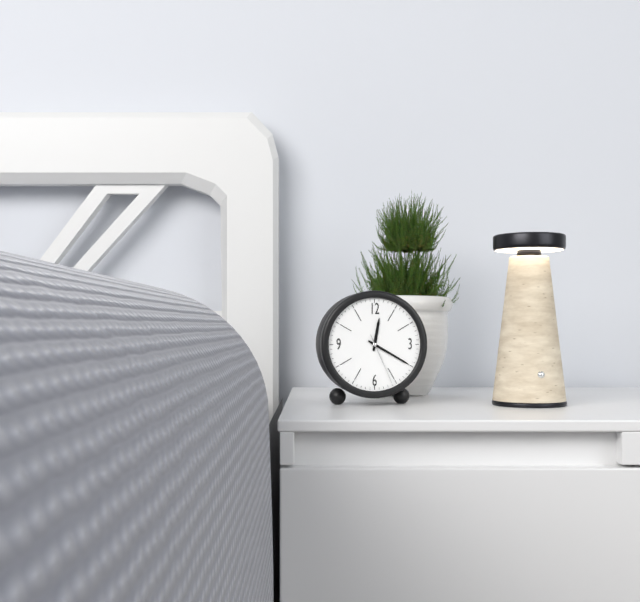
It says 12:20:26
